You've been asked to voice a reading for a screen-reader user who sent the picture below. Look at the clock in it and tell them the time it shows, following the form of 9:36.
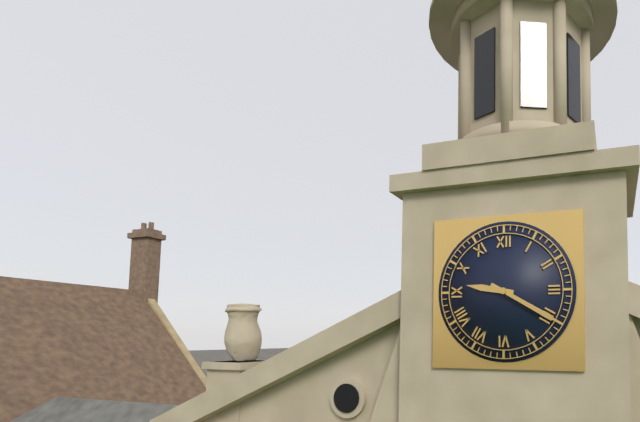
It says 9:20
